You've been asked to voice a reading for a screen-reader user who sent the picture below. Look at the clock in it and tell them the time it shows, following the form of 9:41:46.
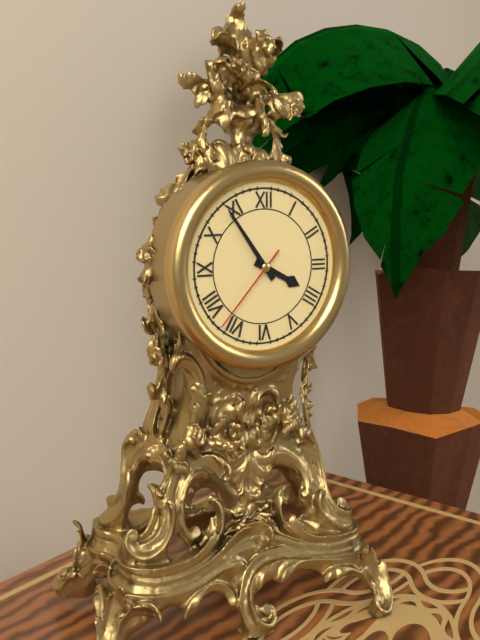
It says 3:54:37
